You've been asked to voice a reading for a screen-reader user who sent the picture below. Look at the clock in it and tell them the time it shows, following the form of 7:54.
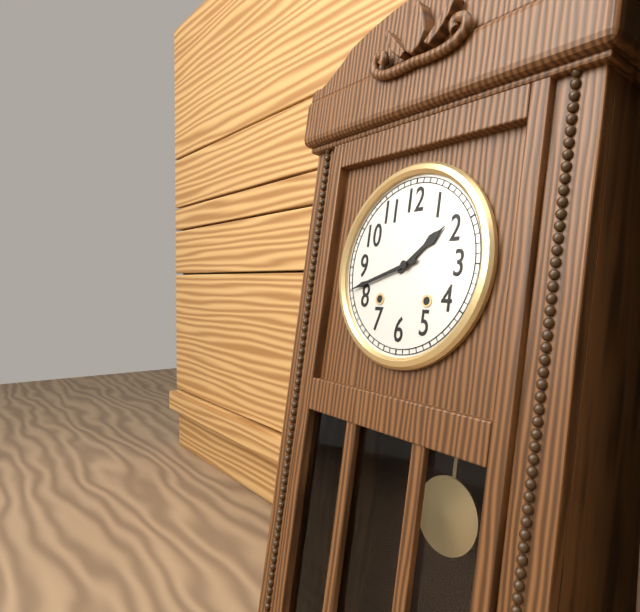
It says 1:42
